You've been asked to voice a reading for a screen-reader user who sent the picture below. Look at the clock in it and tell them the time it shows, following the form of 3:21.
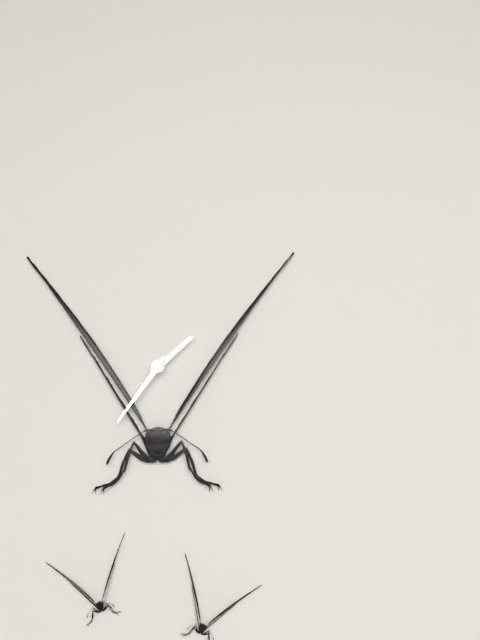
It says 1:36
